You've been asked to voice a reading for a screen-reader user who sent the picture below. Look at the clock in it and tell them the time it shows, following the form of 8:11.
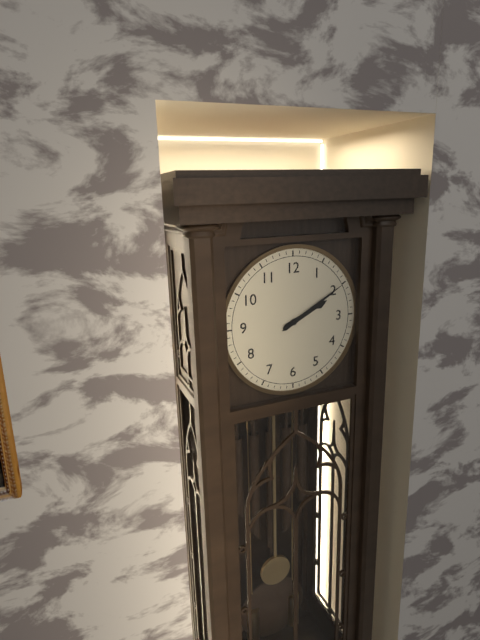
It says 2:10
